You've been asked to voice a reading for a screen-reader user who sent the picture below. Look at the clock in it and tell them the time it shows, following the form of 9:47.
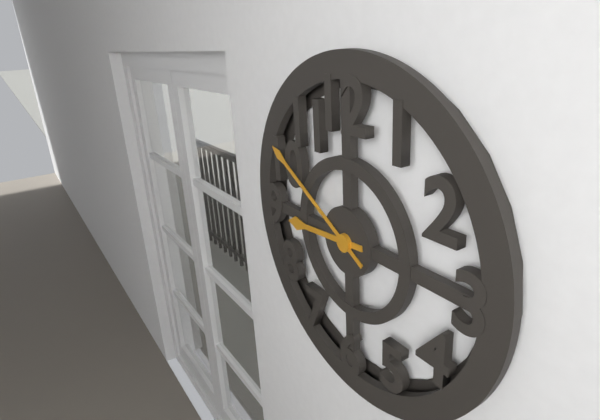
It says 8:50
